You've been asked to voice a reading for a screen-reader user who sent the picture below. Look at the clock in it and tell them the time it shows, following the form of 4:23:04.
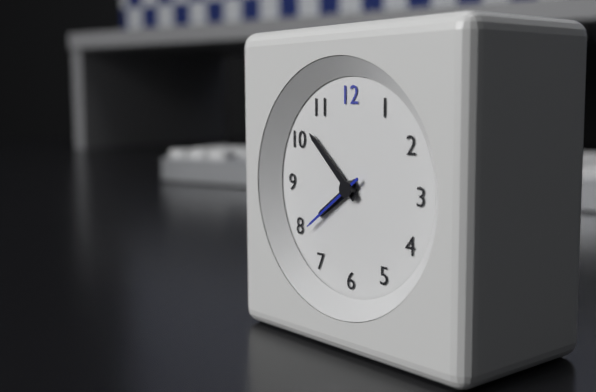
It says 7:52:39
